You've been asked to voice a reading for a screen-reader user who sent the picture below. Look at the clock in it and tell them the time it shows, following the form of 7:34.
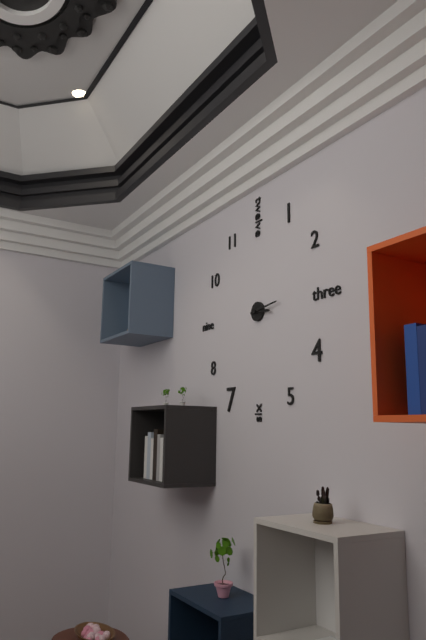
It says 3:14
